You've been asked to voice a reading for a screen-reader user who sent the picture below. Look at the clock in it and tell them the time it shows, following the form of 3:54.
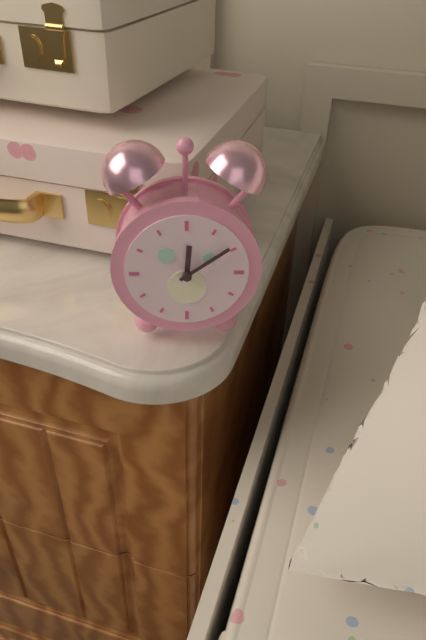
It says 12:09
